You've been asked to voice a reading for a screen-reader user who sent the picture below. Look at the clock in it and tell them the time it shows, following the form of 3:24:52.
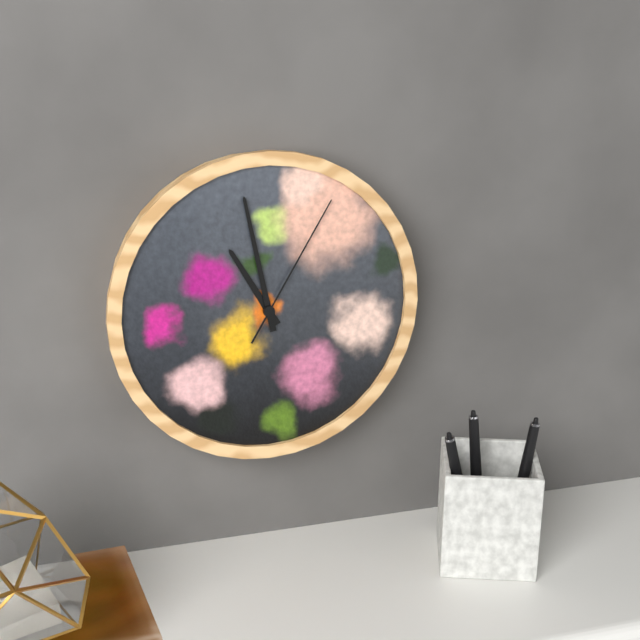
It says 10:58:05
